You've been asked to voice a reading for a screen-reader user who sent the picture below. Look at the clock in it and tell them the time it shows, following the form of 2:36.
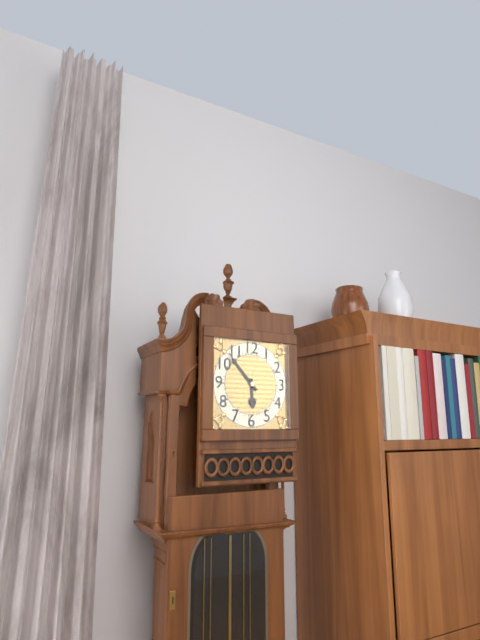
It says 5:53
